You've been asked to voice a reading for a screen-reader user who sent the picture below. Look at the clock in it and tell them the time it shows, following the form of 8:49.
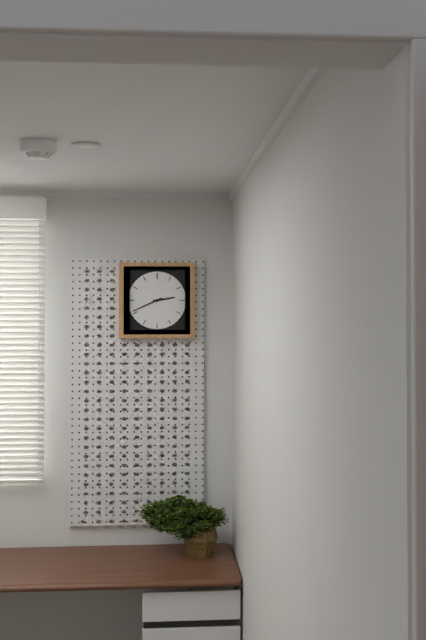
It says 2:41
